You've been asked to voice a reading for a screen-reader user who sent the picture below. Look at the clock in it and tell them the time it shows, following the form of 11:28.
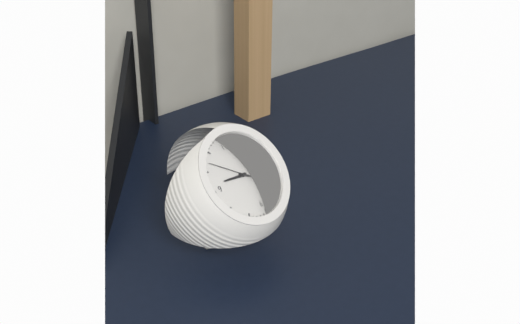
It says 9:21
